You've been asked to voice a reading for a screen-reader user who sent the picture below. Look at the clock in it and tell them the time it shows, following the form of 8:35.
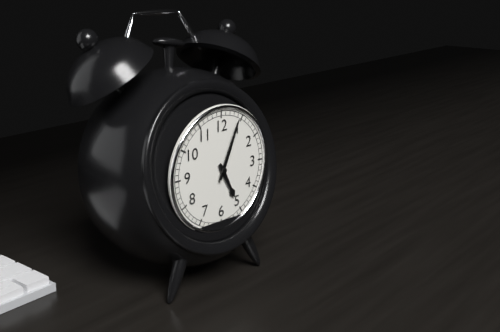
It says 5:04
